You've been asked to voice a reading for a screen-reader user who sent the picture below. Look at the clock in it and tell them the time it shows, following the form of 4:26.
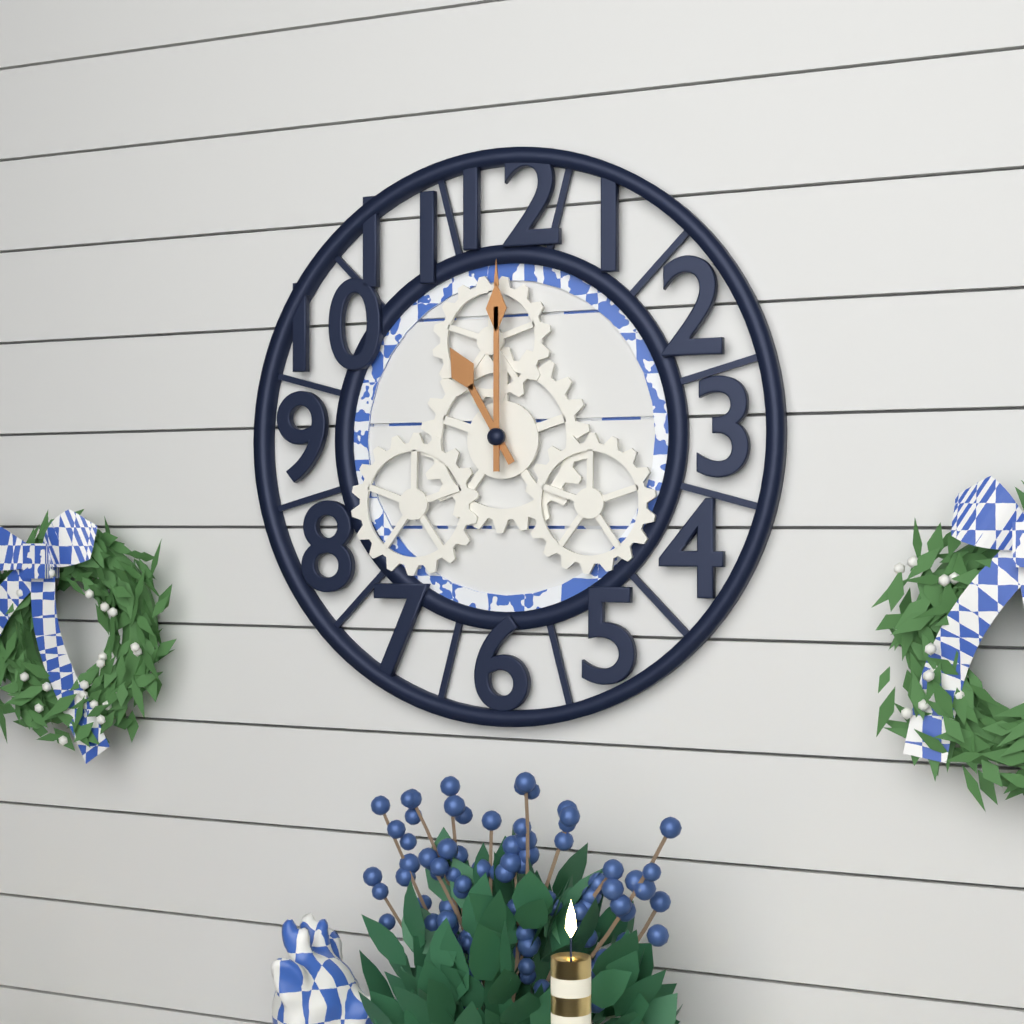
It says 11:00
